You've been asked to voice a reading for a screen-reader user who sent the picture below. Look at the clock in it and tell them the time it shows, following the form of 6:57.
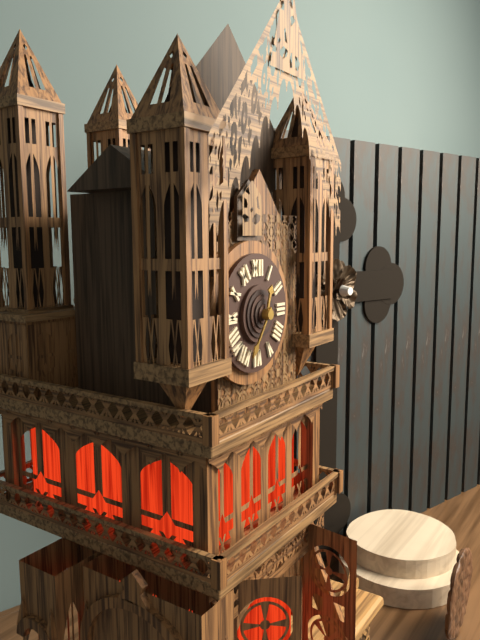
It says 12:36
